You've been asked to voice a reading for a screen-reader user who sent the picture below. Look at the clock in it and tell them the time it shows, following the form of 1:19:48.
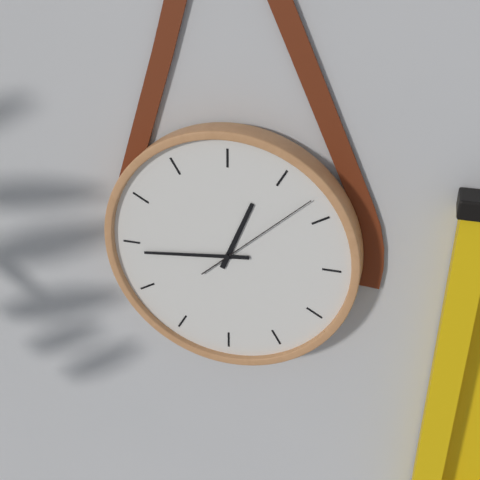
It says 12:44:08
